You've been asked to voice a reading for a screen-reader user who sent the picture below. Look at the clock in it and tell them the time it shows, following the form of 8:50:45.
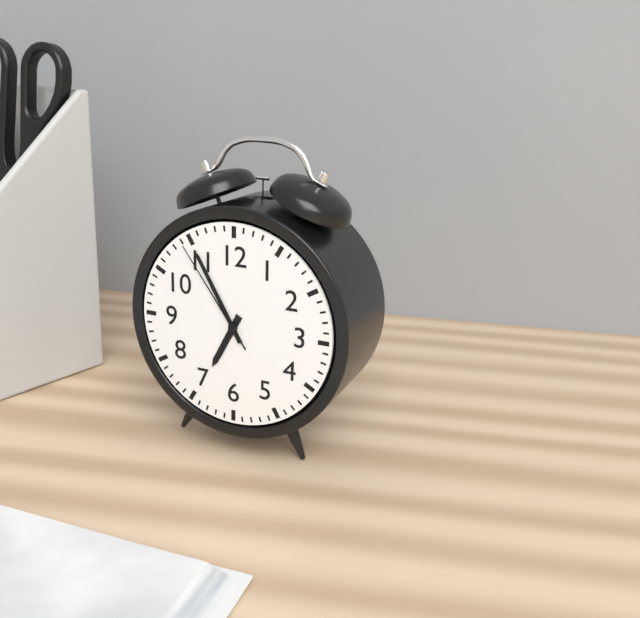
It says 6:55:54
